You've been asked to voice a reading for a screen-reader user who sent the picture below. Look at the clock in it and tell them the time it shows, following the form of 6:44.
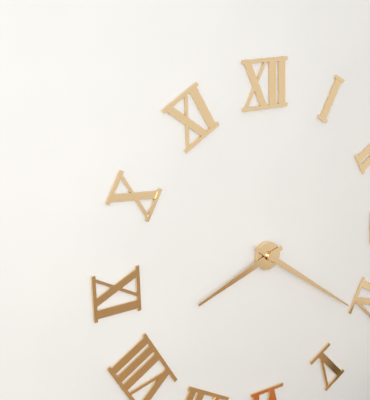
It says 8:21
